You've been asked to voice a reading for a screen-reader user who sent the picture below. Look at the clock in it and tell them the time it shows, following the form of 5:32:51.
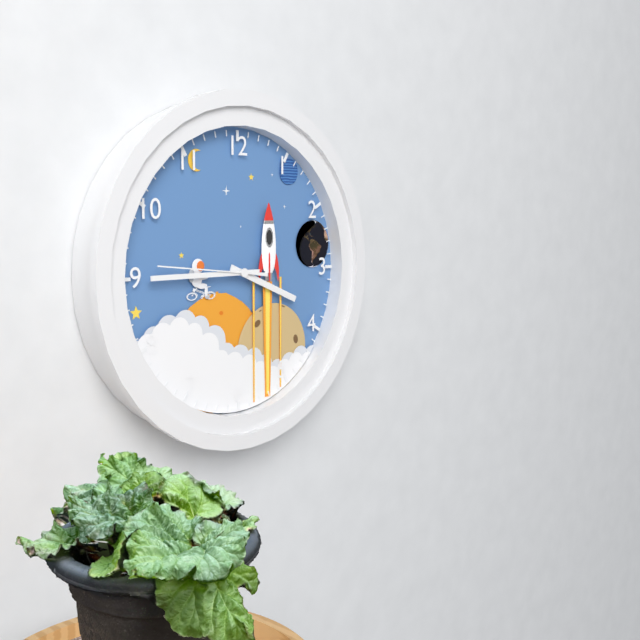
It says 3:45:46
